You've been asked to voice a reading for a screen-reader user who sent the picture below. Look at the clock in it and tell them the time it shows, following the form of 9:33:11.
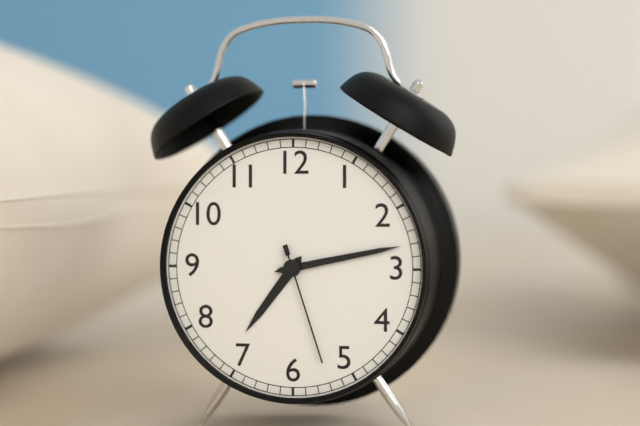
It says 7:13:27
